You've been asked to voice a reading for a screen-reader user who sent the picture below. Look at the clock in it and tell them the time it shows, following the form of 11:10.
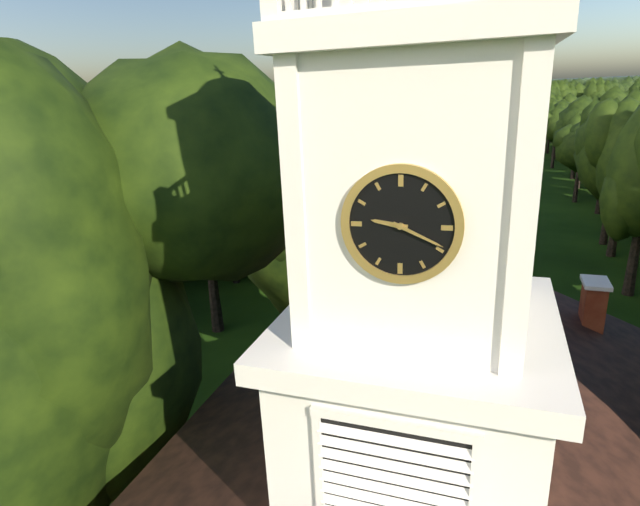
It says 9:19
